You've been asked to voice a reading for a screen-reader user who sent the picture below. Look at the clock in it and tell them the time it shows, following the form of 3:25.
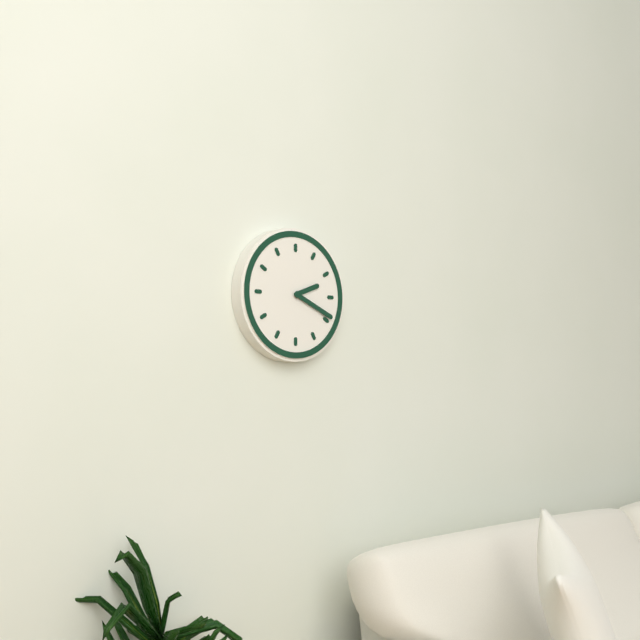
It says 2:19
